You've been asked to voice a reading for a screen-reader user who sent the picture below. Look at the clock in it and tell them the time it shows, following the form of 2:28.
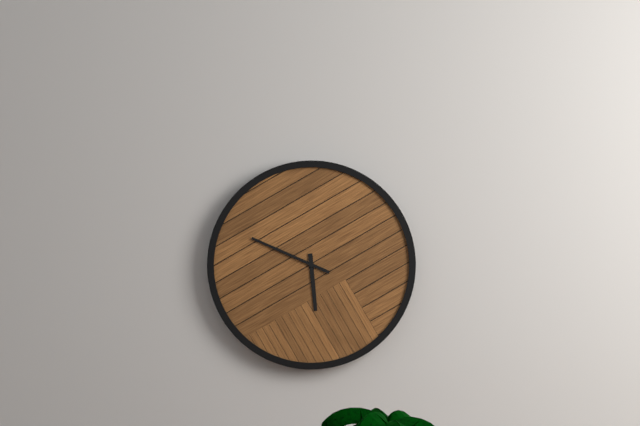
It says 5:49
